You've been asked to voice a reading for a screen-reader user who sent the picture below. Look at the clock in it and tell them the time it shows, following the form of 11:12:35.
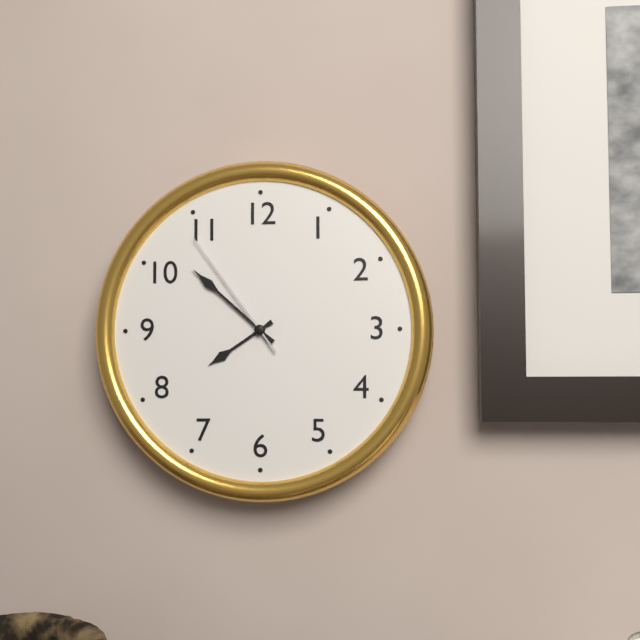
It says 7:52:54
